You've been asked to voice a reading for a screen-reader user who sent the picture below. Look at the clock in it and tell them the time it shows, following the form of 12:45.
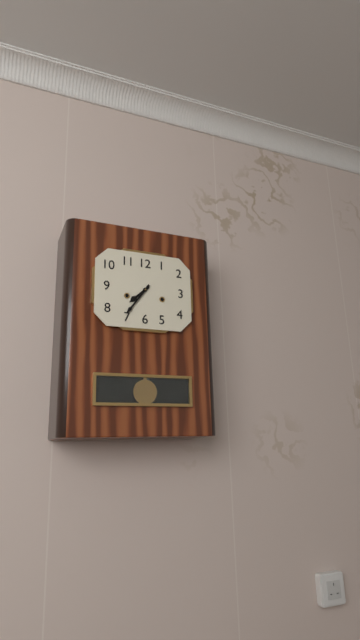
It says 7:36
